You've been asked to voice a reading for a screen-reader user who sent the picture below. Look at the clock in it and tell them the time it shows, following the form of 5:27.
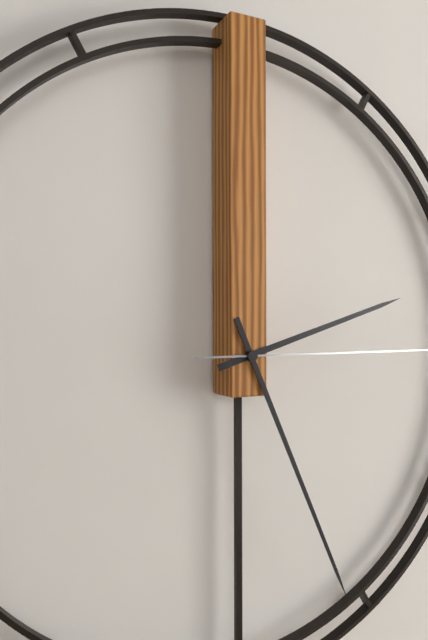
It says 2:26
